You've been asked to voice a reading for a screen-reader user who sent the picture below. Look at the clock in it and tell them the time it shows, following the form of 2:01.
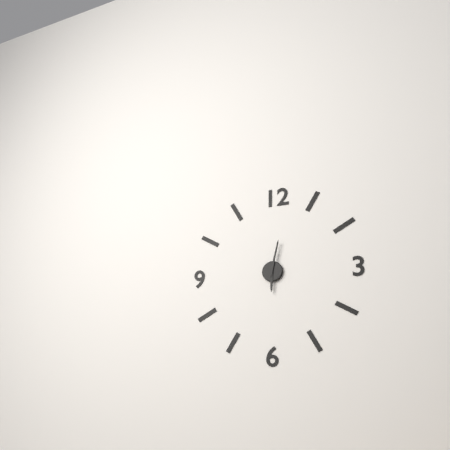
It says 6:02
